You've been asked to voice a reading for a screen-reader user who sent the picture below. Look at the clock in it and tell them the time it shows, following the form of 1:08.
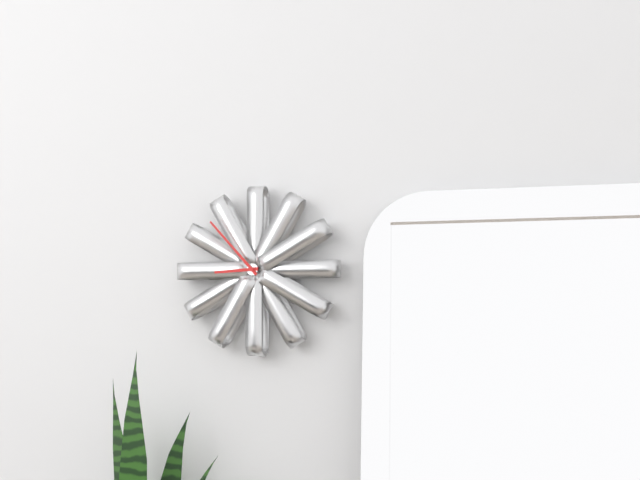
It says 8:53
